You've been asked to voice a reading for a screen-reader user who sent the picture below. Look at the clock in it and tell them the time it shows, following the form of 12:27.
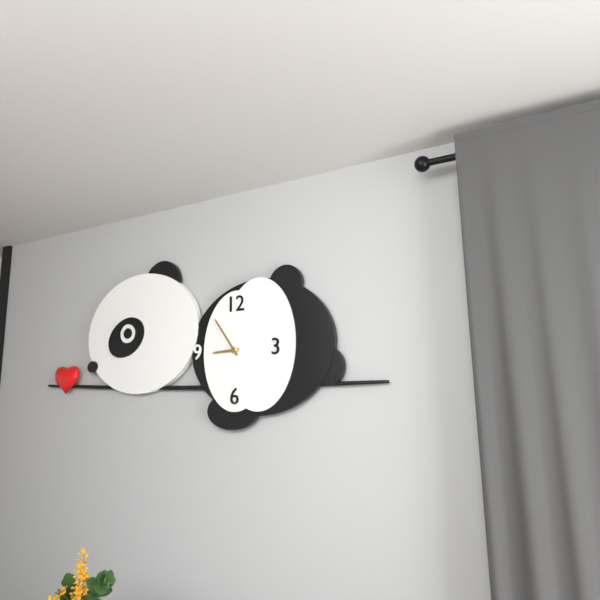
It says 8:54
